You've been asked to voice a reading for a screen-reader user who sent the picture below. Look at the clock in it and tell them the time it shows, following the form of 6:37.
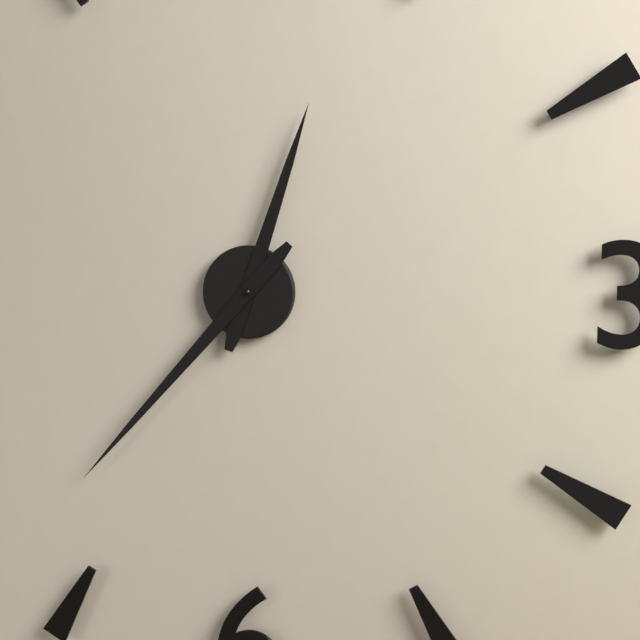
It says 12:37
